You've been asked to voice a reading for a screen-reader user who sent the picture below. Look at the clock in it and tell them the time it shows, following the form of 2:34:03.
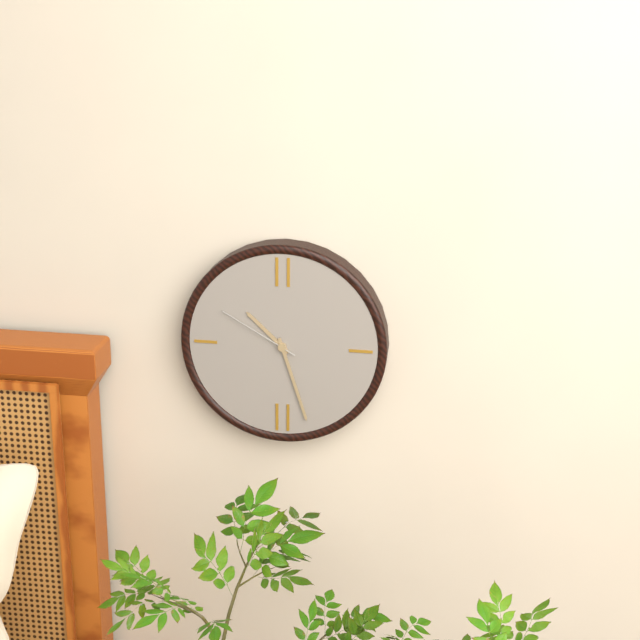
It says 10:27:50
